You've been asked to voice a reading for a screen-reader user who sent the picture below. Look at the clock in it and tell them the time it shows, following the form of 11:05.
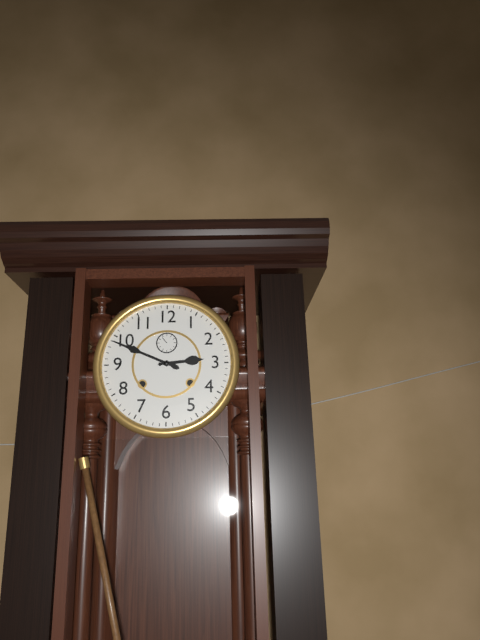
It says 2:49
